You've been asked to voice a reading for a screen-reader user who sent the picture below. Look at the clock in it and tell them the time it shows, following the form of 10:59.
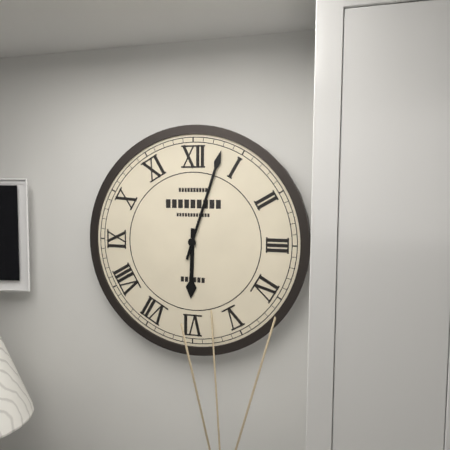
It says 6:03
